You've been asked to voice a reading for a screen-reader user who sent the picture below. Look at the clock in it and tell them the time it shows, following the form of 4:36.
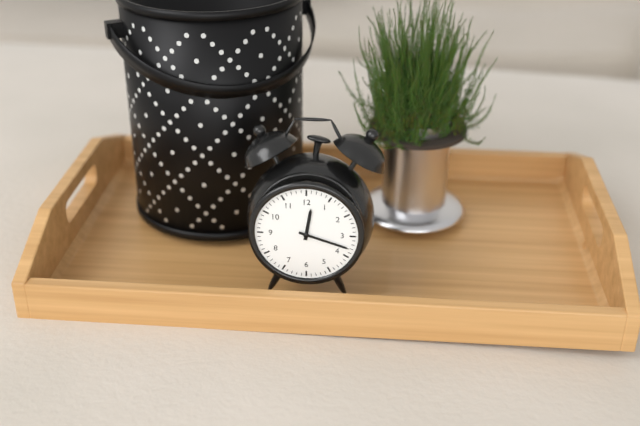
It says 12:18
